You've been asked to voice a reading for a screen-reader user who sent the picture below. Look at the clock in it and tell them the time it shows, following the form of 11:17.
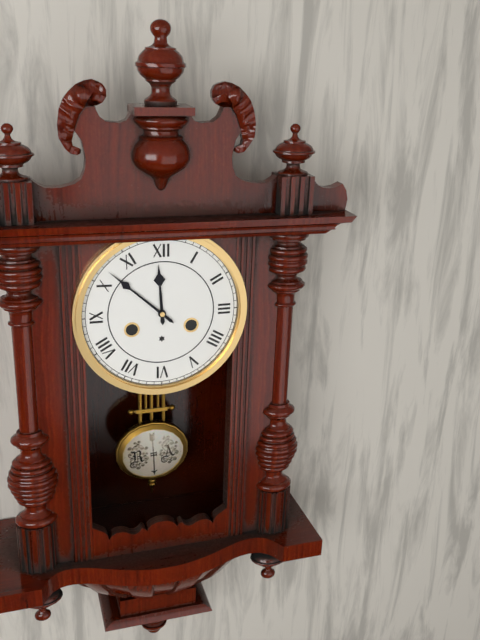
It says 11:52
